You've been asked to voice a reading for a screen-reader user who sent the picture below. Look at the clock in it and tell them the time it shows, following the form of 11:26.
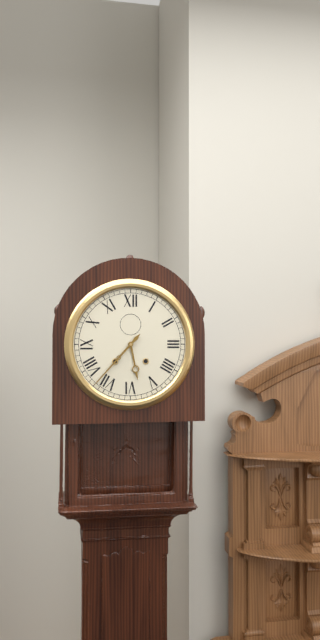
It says 5:37
